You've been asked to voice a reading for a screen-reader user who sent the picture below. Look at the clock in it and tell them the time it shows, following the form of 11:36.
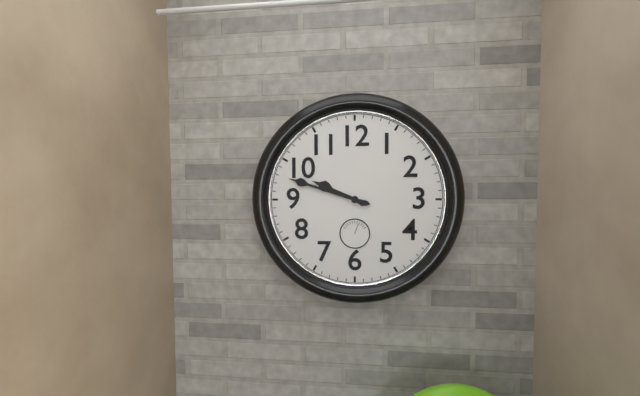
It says 9:48
